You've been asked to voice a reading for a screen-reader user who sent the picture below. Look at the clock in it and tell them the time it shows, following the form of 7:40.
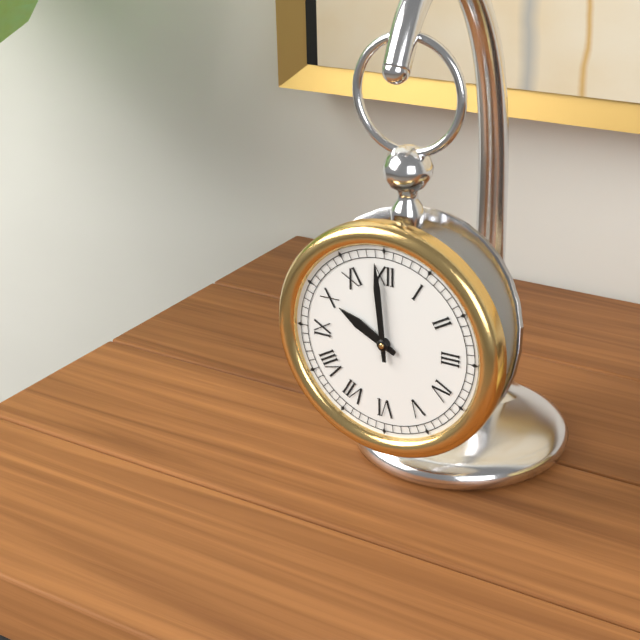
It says 9:59
